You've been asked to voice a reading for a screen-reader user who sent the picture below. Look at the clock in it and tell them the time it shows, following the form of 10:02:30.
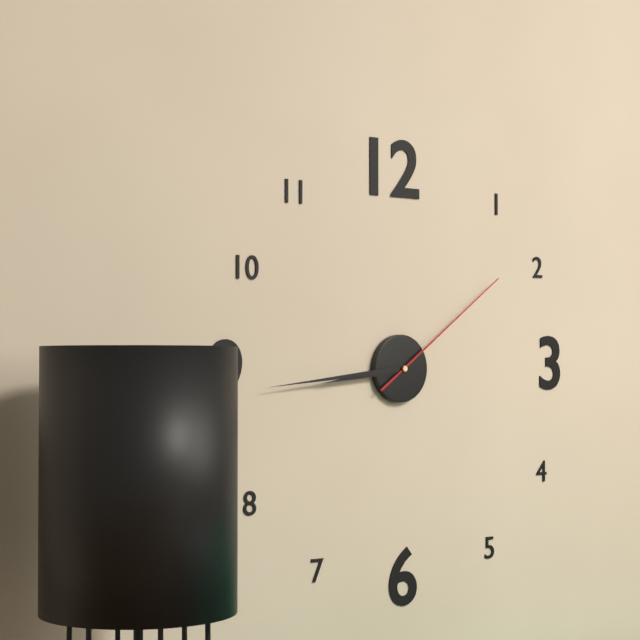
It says 8:44:09
